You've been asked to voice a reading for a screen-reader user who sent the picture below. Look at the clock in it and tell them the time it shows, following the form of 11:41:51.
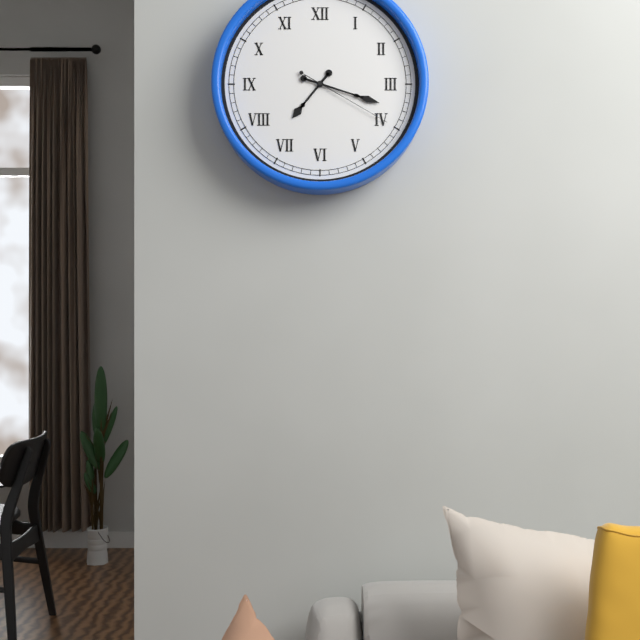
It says 7:18:20
